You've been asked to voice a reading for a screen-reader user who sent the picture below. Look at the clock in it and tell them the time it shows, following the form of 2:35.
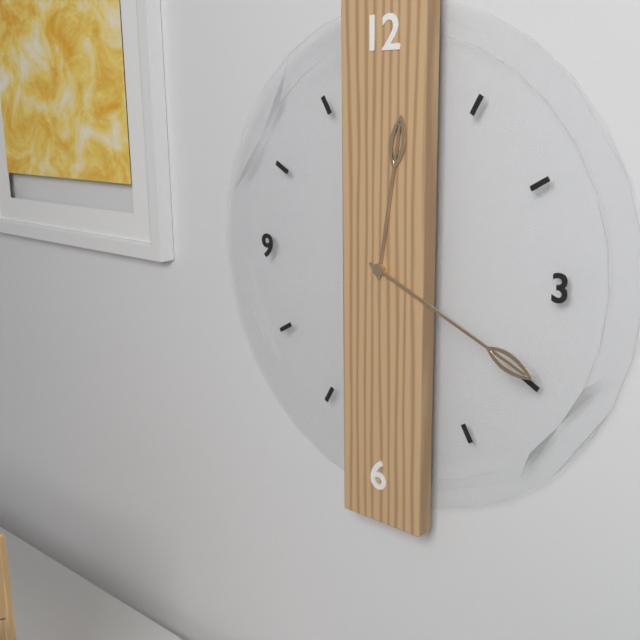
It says 12:19
